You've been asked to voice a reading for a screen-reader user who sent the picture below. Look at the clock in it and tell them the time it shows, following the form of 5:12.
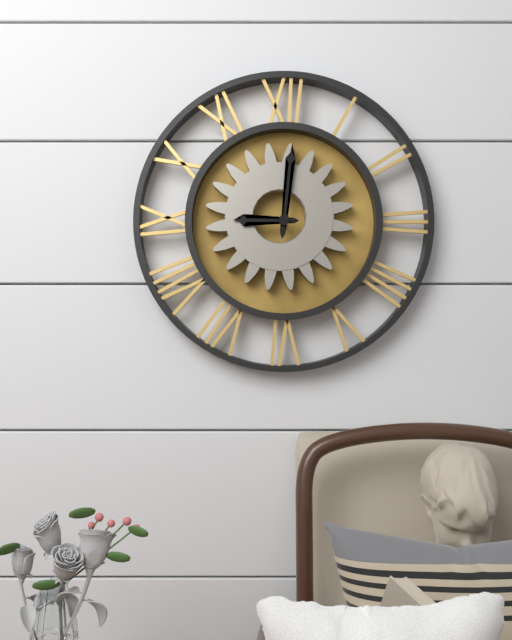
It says 9:01
